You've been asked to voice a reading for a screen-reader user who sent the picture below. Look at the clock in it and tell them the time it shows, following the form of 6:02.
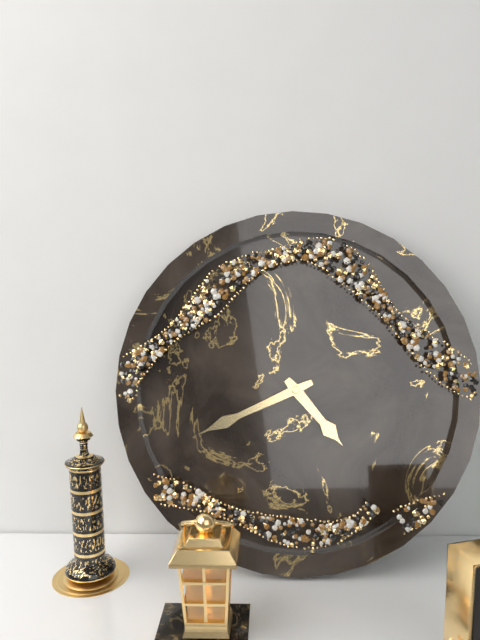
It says 4:41
